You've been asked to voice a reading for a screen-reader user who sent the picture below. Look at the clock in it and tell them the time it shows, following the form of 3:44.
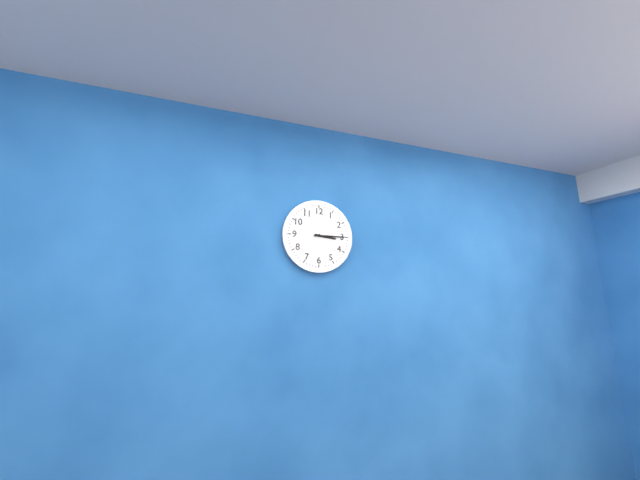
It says 3:15
